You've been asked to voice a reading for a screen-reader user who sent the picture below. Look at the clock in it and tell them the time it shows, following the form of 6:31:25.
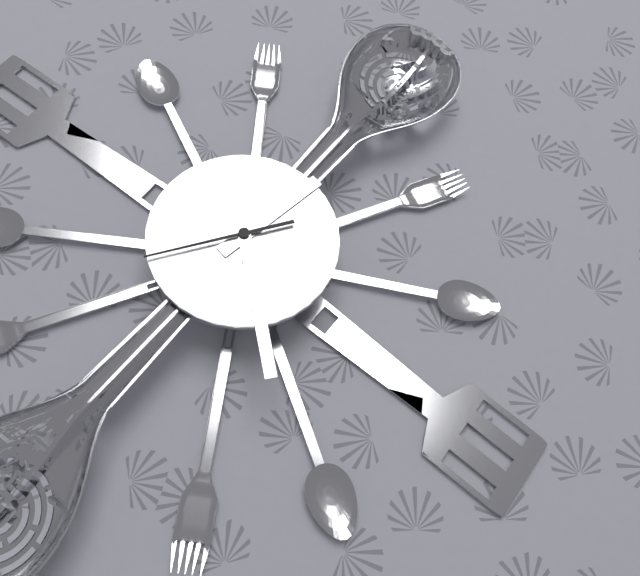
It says 12:22:36
